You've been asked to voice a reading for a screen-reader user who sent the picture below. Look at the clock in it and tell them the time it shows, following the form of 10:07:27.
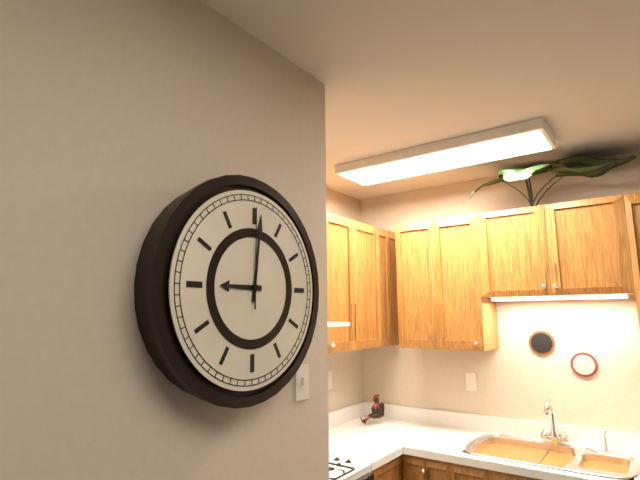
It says 9:01:00
